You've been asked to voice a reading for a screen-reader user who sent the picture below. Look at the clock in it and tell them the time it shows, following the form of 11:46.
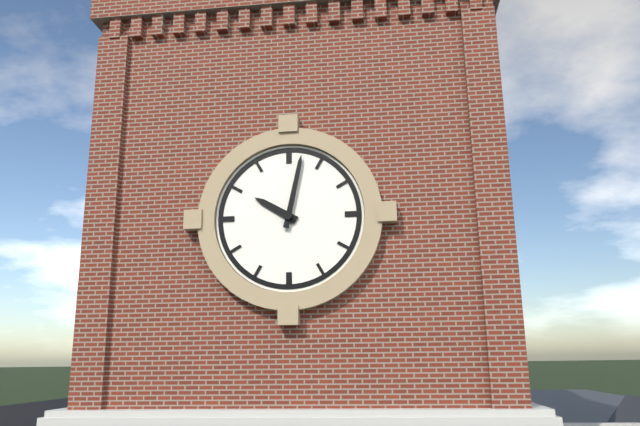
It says 10:02
